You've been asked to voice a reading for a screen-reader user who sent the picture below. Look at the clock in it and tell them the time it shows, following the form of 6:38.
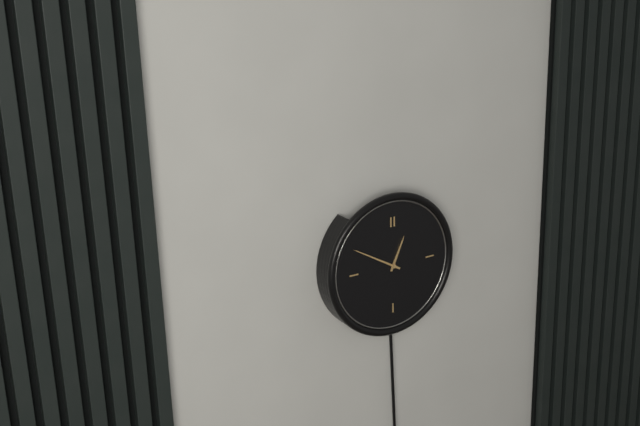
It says 12:50
